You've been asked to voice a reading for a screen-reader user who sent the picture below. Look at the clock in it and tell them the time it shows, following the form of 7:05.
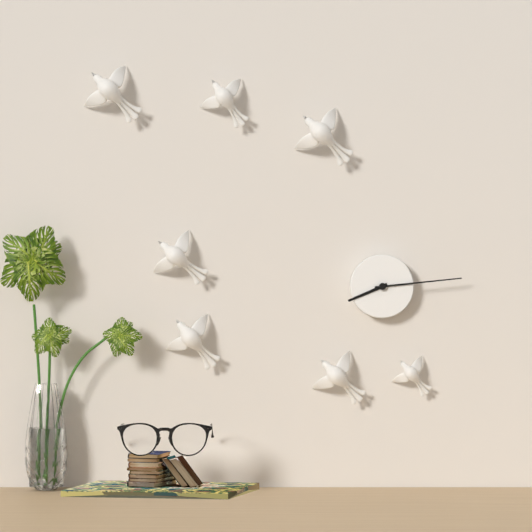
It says 8:14
